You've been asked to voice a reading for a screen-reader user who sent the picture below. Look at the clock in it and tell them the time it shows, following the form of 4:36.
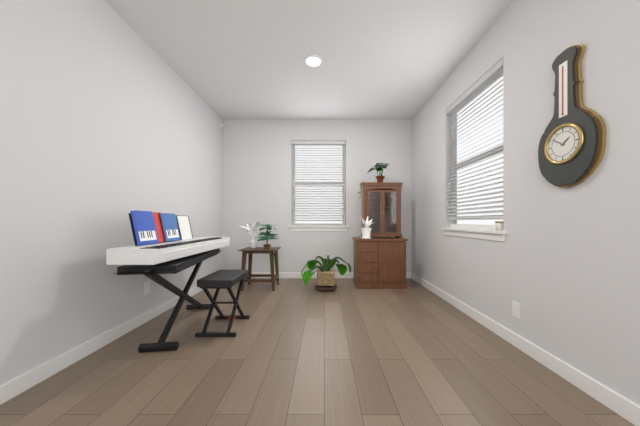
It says 1:51
